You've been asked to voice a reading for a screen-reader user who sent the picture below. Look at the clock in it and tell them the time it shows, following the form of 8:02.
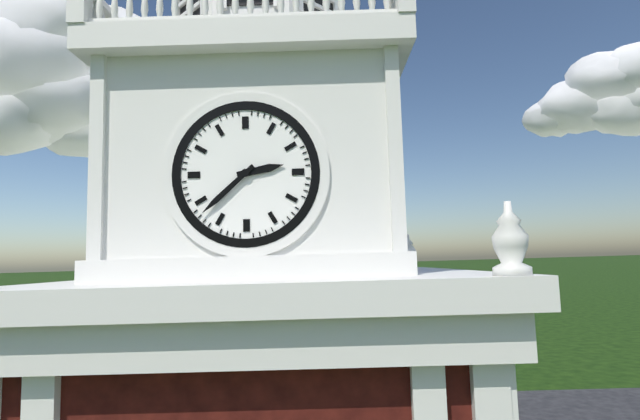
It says 2:38
